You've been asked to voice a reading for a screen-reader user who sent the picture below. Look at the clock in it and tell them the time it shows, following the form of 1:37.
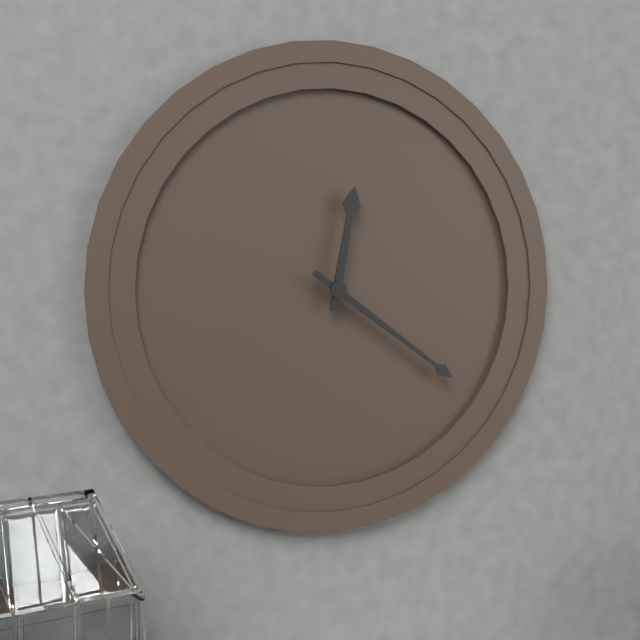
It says 12:21
